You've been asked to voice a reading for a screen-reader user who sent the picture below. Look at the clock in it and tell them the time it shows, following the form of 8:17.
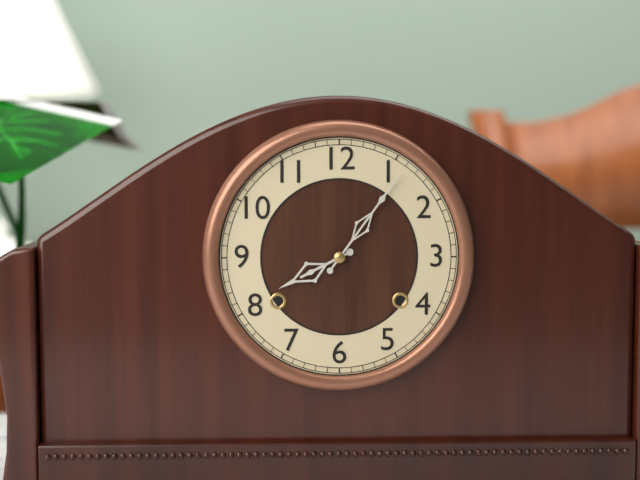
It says 8:06
